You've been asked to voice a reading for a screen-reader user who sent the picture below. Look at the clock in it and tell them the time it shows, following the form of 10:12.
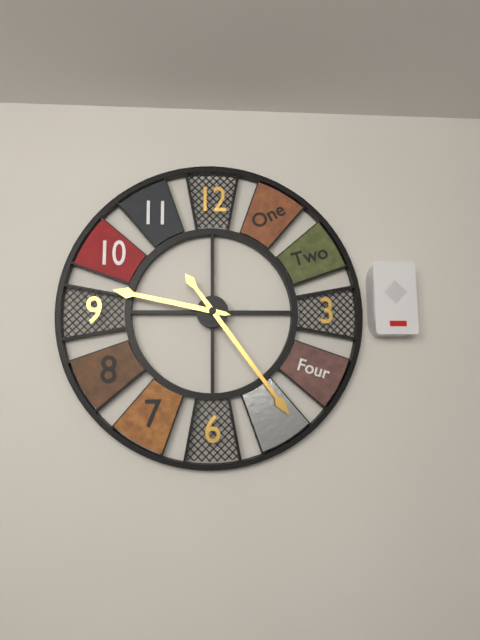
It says 9:24
